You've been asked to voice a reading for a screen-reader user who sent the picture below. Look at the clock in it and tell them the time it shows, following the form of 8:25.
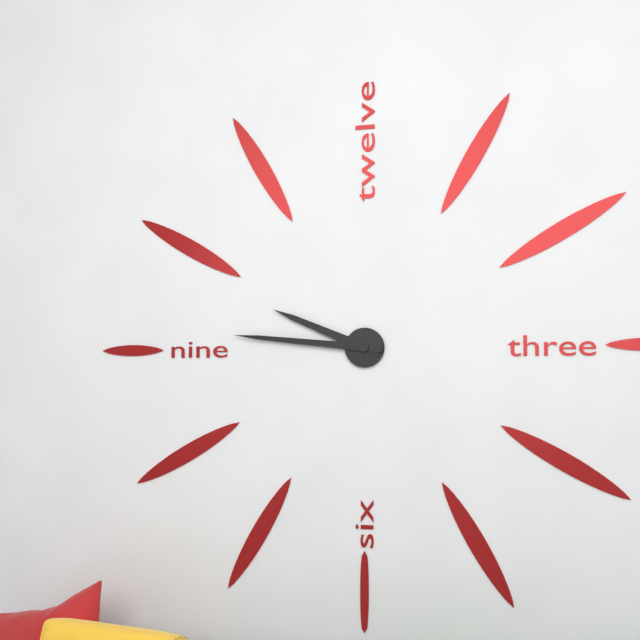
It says 9:46
